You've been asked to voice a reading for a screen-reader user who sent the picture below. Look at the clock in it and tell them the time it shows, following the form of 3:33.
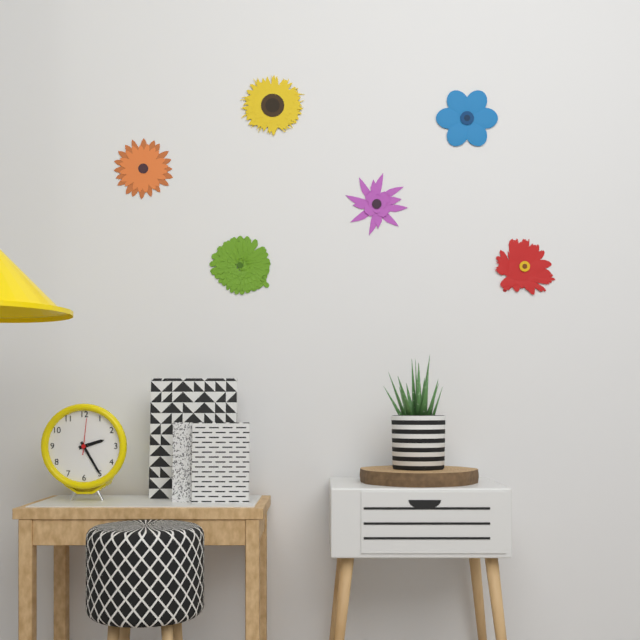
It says 2:25
